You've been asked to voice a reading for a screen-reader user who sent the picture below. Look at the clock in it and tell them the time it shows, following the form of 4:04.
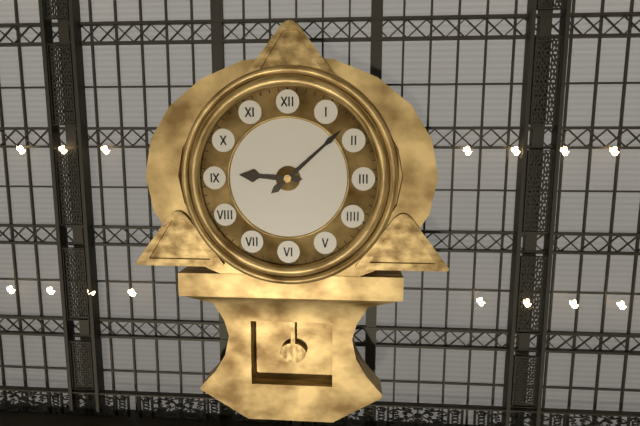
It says 9:08
